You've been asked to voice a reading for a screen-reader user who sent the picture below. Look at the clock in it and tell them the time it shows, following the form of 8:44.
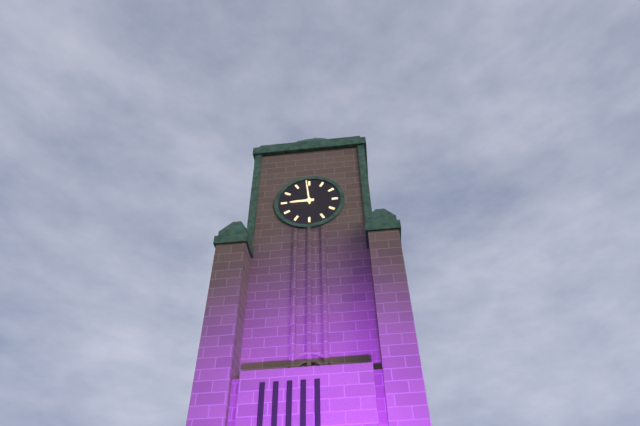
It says 8:59
